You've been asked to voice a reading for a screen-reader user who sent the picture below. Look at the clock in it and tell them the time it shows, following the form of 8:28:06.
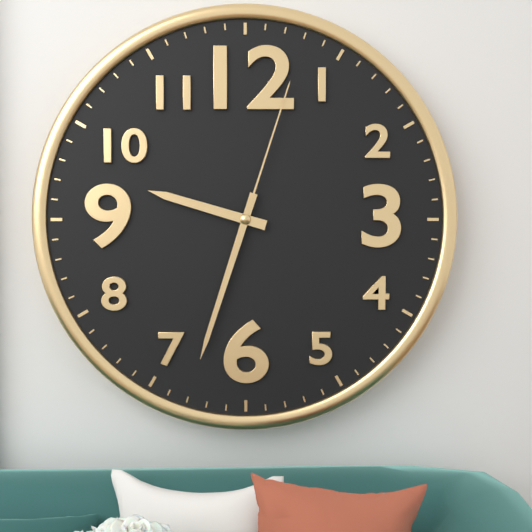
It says 9:33:03
